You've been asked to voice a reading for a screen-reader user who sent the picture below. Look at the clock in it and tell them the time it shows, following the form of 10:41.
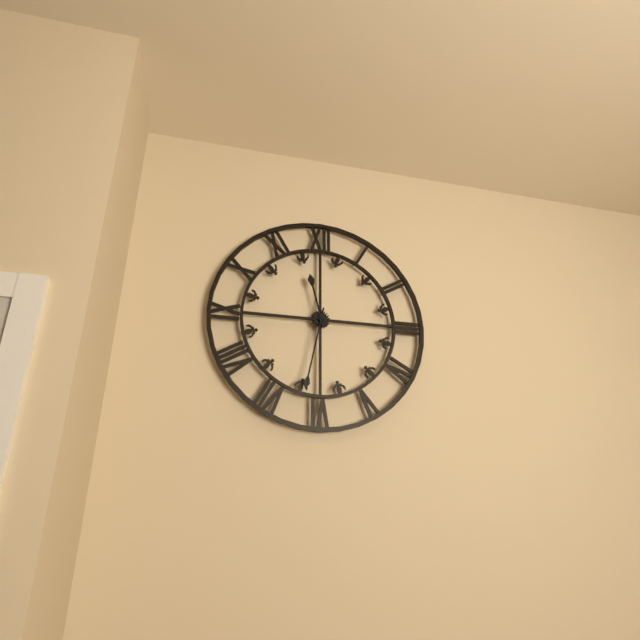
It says 11:32
